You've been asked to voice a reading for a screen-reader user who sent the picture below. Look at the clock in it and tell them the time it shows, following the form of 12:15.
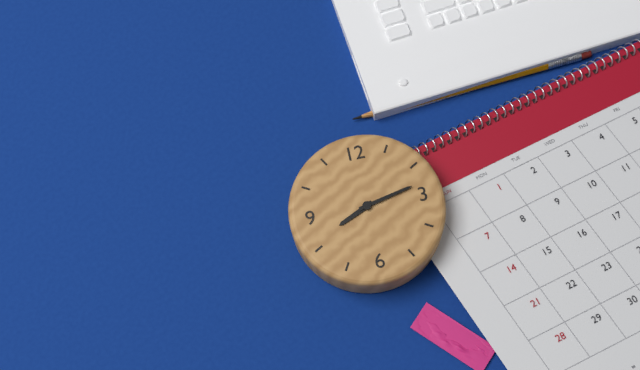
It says 8:13
